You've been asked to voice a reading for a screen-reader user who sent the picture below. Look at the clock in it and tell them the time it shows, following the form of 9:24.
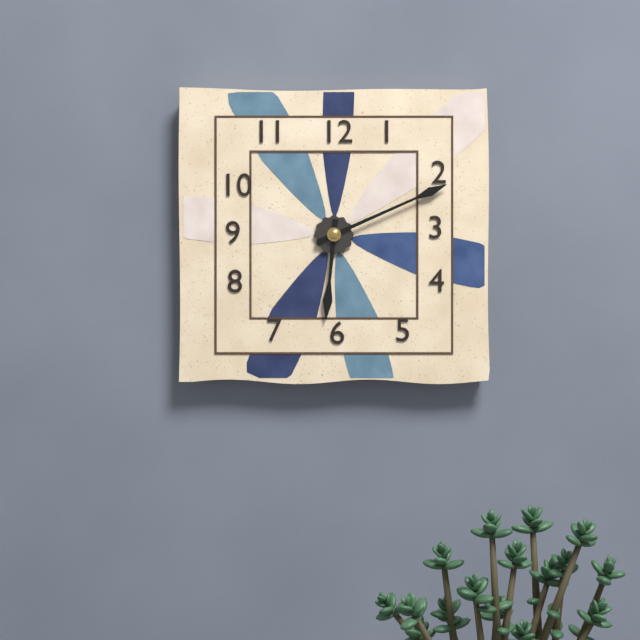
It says 6:11
